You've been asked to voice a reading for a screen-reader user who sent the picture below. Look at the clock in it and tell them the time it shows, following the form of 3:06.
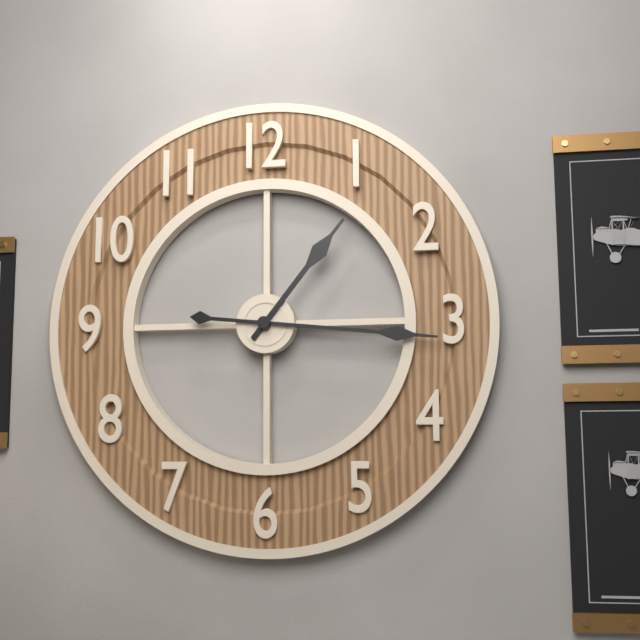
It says 1:16
